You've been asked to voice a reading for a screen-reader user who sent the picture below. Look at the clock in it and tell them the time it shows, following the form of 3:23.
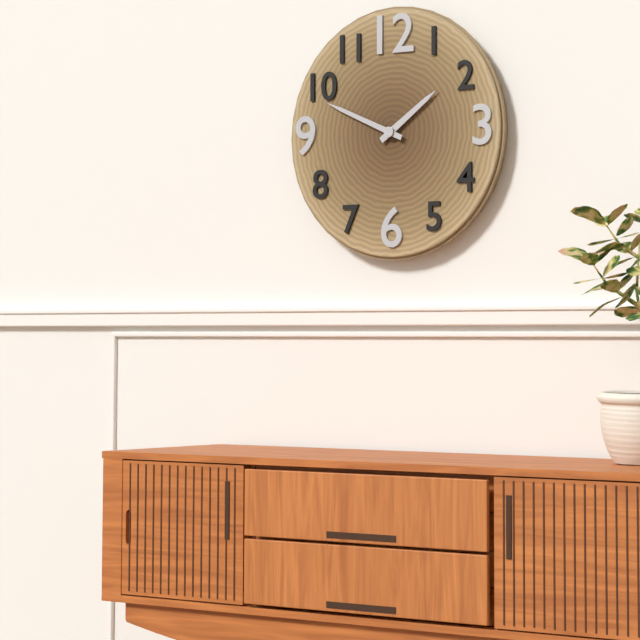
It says 1:49
